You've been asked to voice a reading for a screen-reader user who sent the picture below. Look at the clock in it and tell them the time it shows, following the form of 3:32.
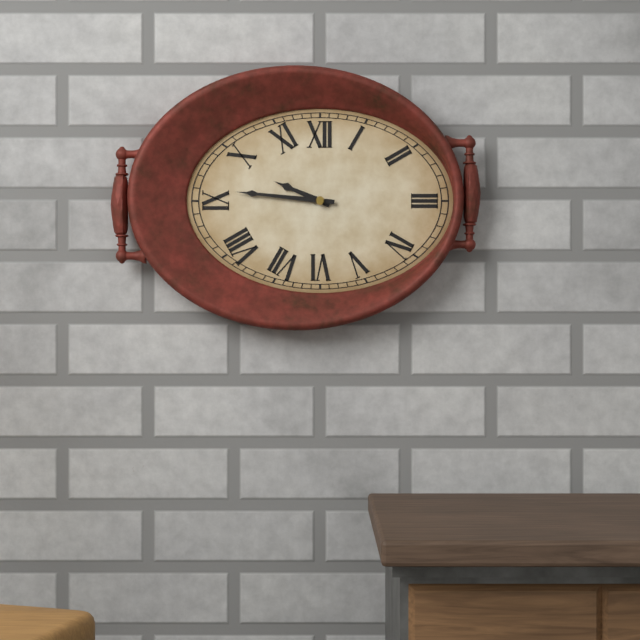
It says 9:46
